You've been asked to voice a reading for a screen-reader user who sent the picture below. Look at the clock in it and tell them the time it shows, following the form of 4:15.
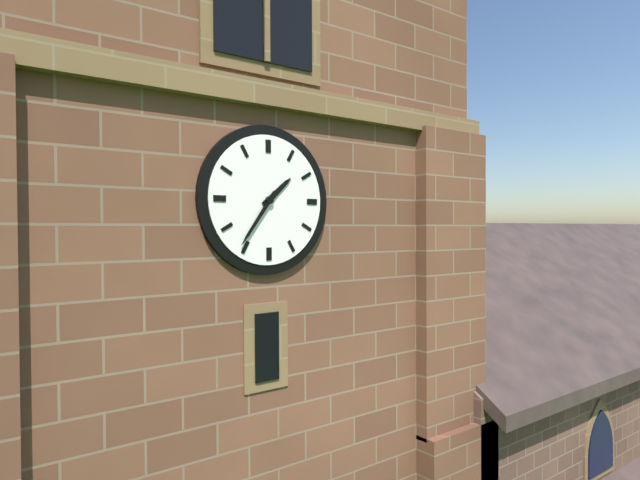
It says 1:36
